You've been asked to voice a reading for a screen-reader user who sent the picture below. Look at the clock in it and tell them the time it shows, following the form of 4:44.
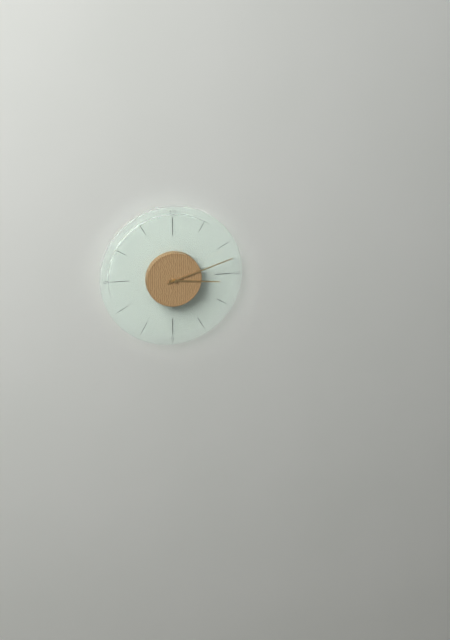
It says 3:12
